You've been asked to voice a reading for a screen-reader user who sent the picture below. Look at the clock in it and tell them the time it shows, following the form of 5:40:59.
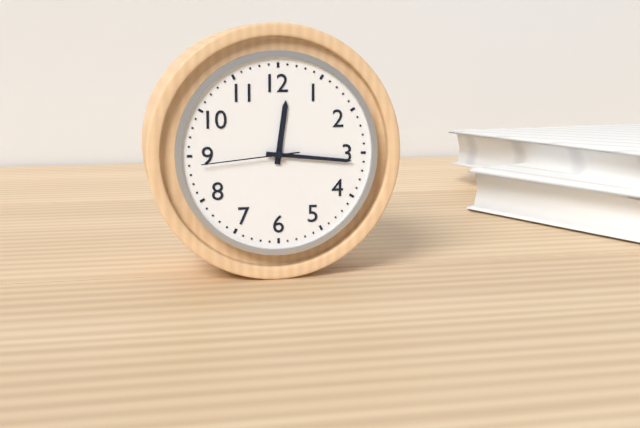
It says 12:16:44
